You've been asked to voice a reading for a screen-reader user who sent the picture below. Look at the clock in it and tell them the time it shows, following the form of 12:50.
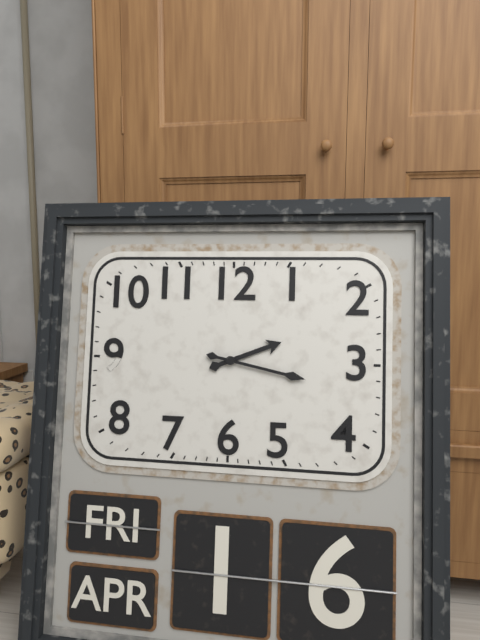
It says 2:17
